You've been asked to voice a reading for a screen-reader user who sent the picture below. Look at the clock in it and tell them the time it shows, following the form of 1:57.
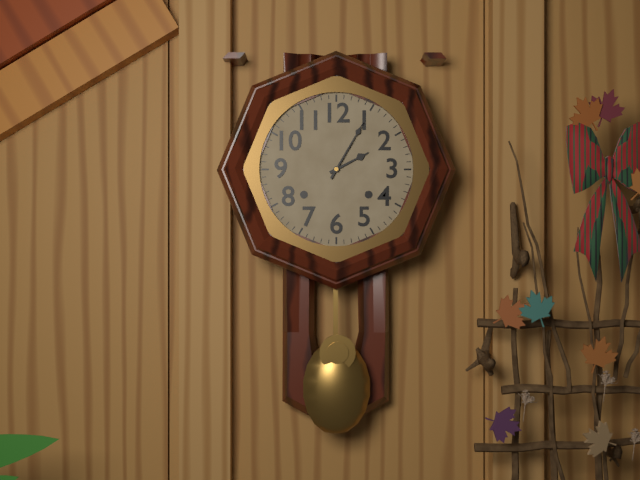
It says 2:05
